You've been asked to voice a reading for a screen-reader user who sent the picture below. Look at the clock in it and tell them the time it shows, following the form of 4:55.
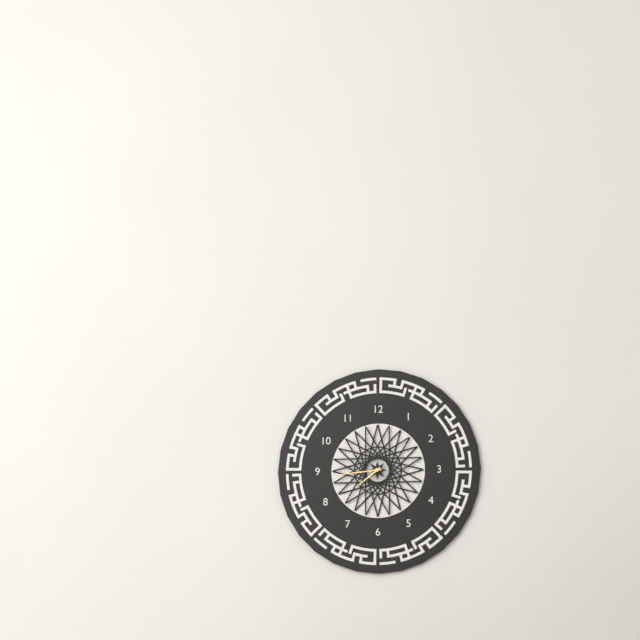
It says 7:44
